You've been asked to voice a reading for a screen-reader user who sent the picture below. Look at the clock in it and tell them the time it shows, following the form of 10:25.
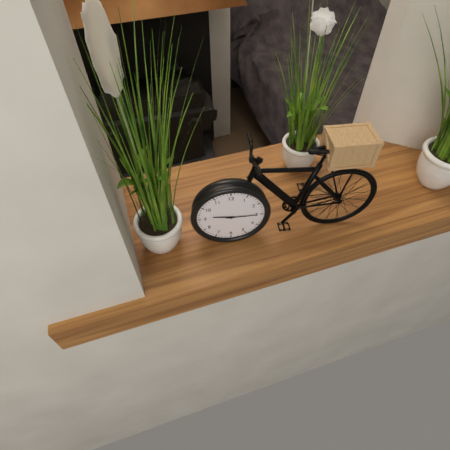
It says 9:15
